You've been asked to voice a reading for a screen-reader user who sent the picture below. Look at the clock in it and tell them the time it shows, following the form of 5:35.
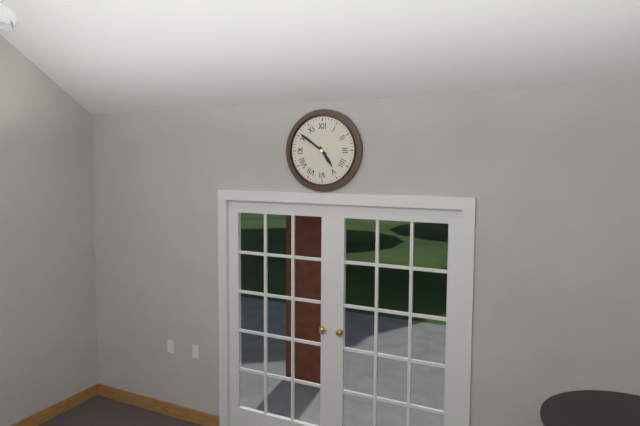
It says 4:51
